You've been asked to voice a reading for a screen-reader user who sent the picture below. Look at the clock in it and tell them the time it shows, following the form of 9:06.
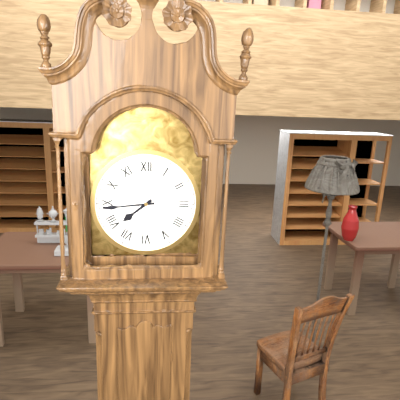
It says 7:44
